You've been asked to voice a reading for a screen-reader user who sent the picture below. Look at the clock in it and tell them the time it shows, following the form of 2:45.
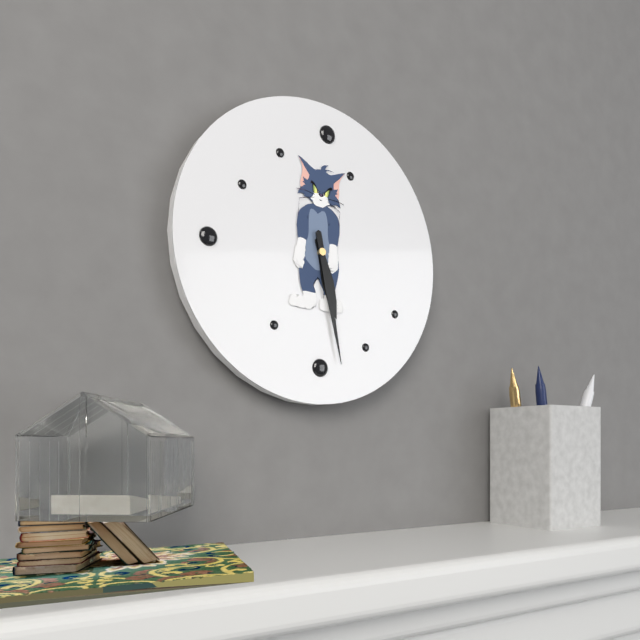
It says 5:28
